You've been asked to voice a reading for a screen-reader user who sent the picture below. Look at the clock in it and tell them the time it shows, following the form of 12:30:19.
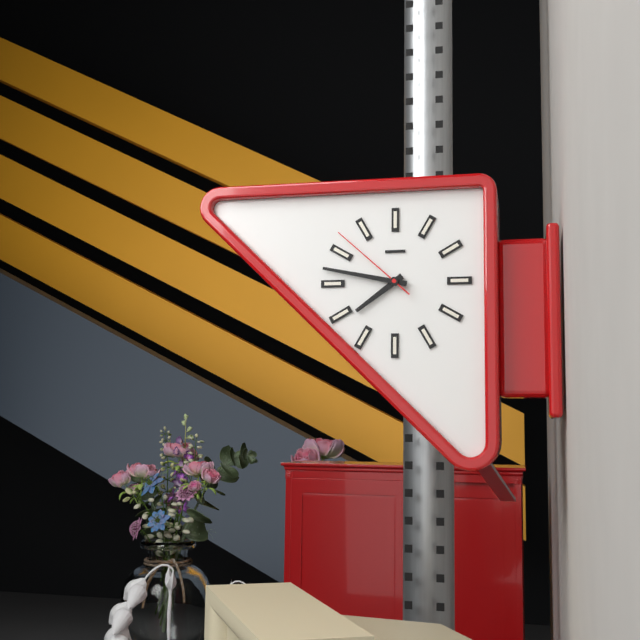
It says 7:47:52
